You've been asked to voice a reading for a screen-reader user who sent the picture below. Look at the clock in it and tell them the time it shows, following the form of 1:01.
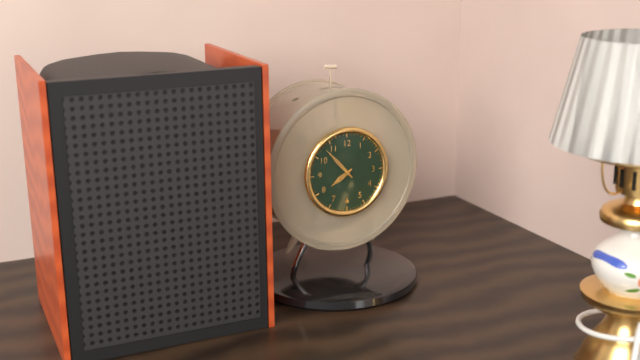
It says 7:53
